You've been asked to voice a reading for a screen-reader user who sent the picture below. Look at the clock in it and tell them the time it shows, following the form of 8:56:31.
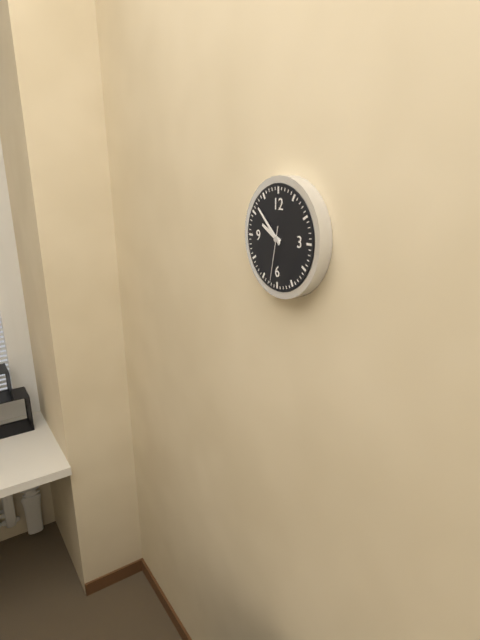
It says 9:52:32
